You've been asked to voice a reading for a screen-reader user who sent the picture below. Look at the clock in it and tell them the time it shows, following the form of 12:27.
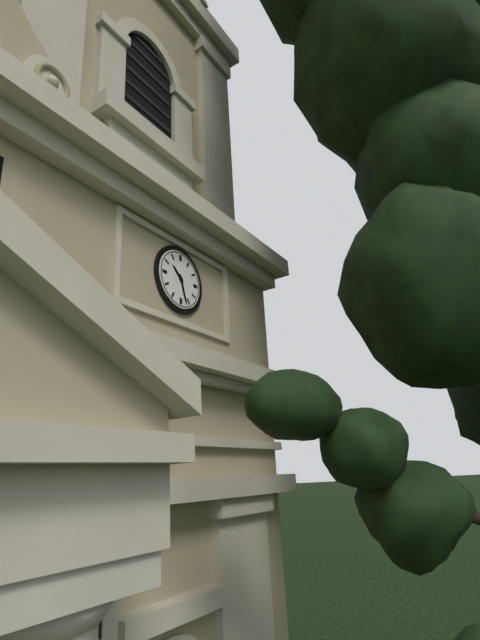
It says 10:27
